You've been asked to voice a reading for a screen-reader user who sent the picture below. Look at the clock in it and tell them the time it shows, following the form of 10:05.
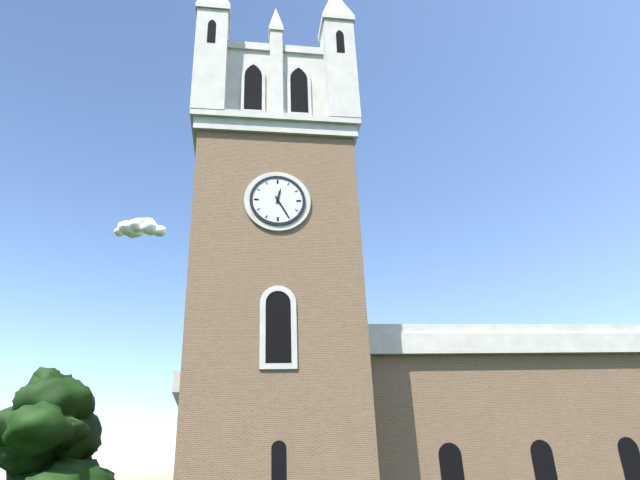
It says 12:25
